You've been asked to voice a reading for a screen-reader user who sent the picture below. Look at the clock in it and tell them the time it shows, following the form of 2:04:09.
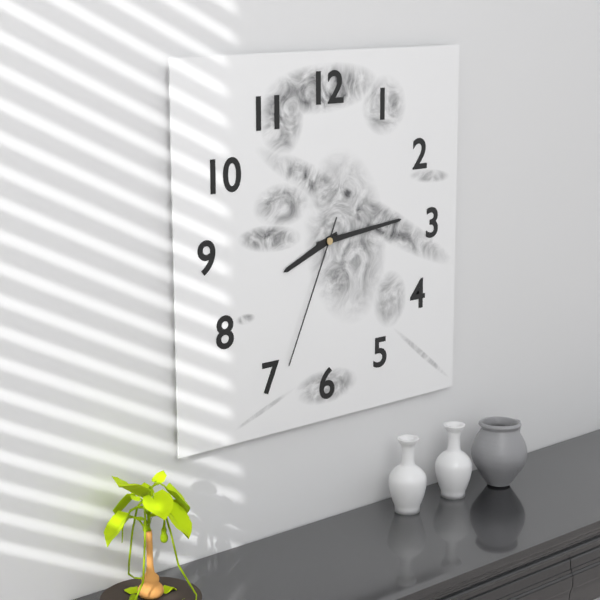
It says 8:14:34
